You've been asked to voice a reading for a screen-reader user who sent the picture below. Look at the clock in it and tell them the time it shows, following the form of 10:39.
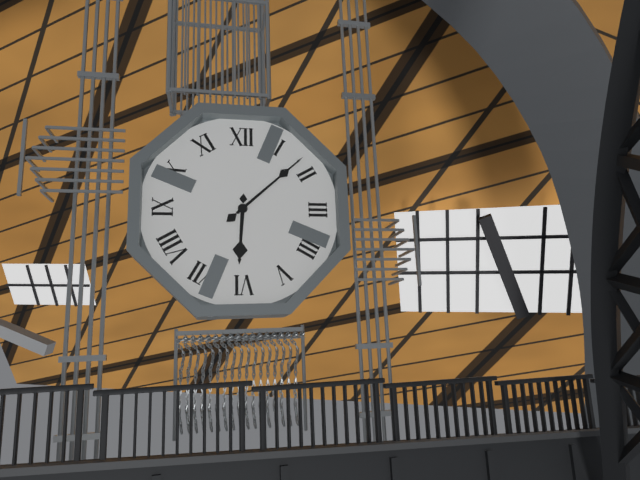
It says 6:08
